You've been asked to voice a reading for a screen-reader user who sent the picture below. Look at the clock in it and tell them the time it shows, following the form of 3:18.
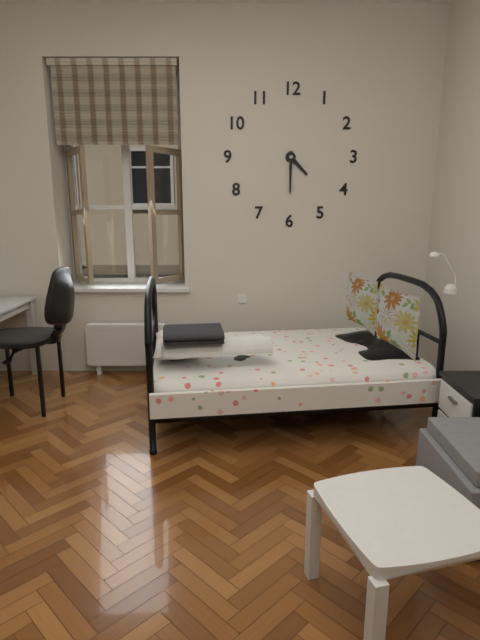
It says 4:30
